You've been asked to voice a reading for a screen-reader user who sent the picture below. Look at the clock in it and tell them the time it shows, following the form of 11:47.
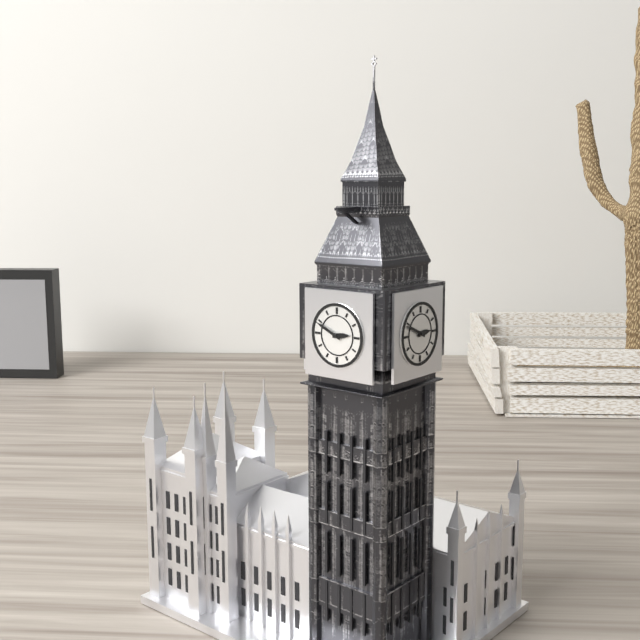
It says 2:49
